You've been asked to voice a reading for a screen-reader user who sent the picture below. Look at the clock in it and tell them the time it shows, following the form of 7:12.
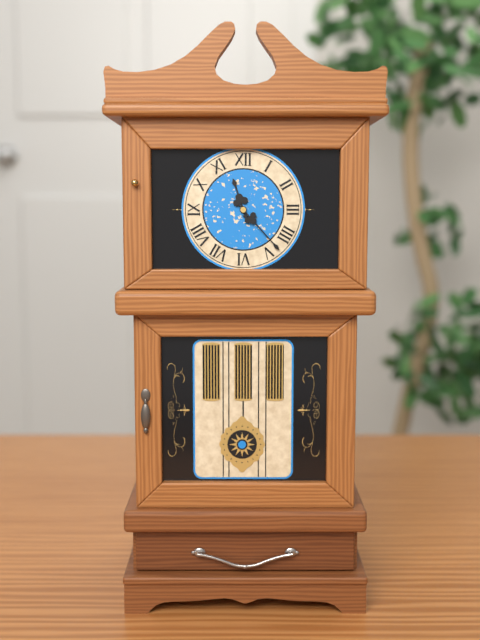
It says 11:23
